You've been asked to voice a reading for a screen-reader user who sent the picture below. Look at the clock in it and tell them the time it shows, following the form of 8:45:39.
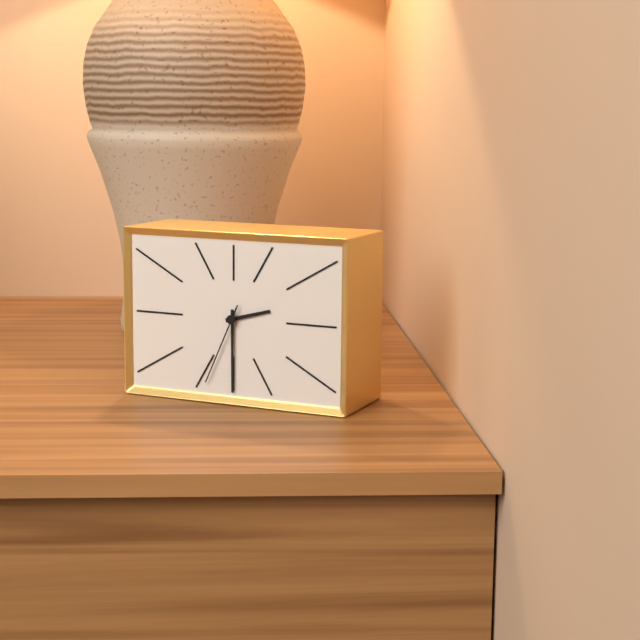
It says 2:30:34
